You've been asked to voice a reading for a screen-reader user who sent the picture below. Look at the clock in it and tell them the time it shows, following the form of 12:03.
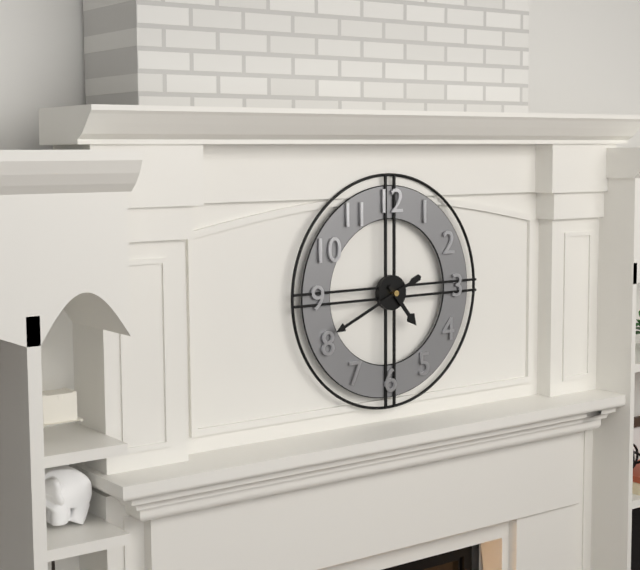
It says 4:41
